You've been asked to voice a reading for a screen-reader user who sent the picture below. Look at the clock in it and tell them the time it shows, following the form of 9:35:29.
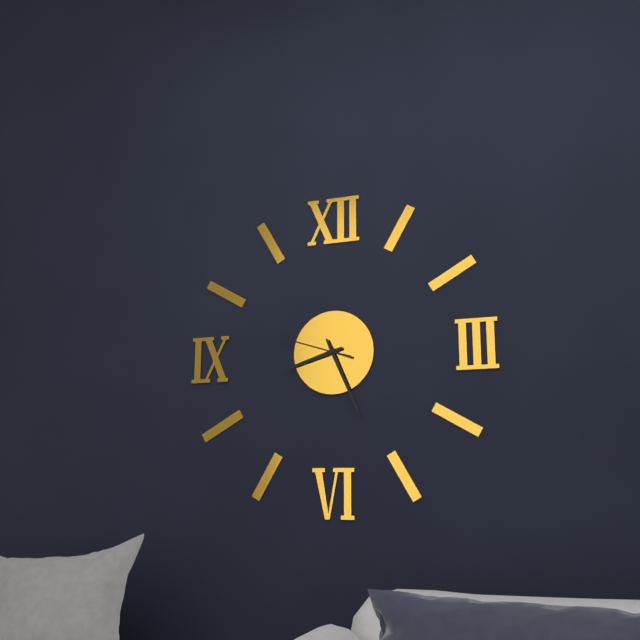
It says 8:26:48
